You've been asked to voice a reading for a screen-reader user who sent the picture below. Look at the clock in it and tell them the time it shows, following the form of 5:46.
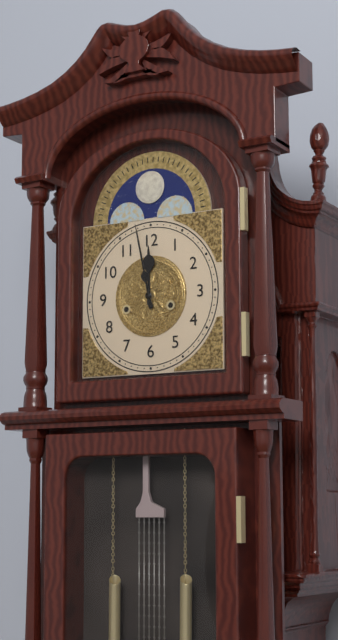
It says 11:58
